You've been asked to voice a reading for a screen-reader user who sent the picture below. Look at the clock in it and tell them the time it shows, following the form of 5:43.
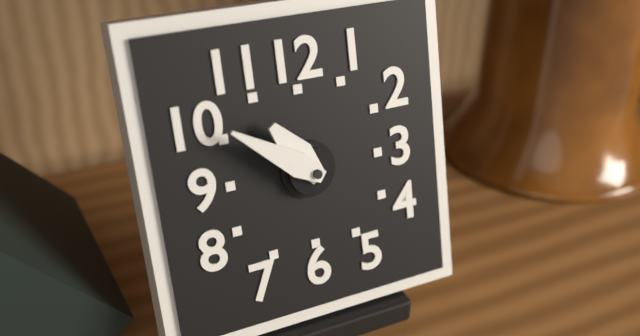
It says 10:51
